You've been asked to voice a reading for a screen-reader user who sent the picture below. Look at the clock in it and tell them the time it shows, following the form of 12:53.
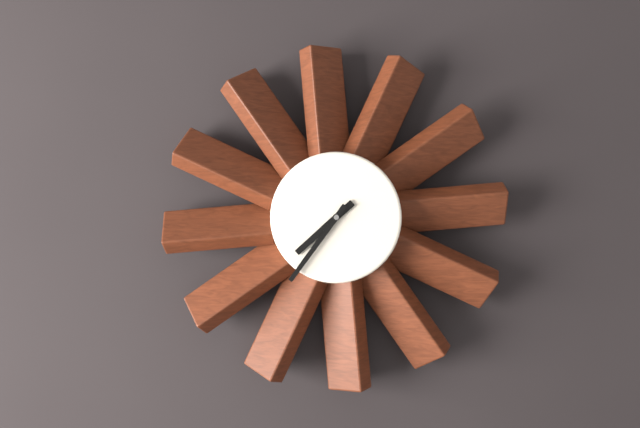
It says 7:36
